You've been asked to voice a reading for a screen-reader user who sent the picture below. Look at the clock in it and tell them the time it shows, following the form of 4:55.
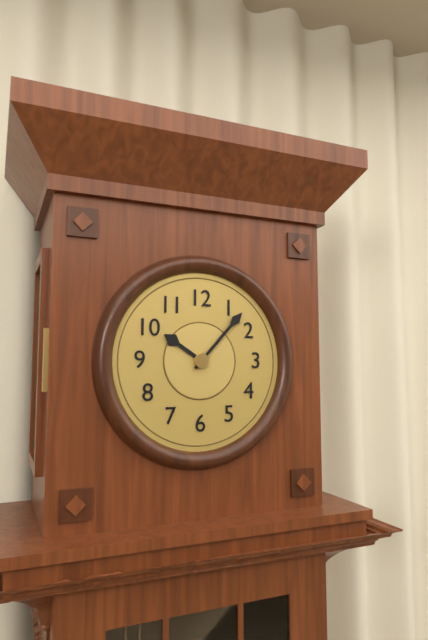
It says 10:07
